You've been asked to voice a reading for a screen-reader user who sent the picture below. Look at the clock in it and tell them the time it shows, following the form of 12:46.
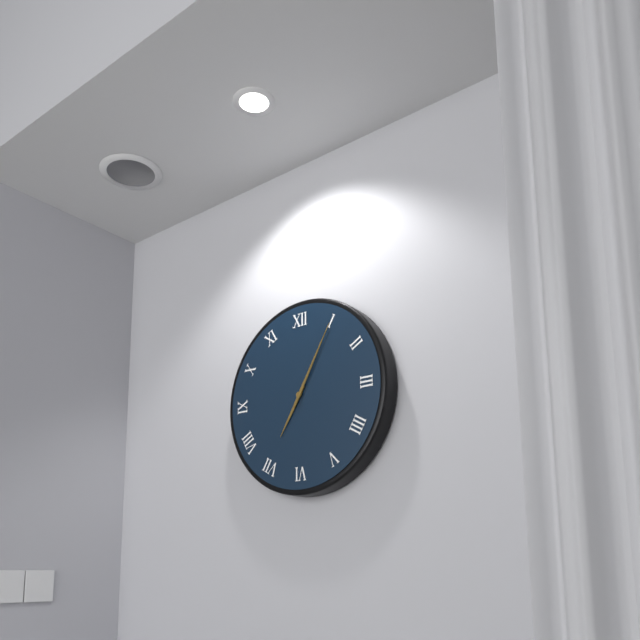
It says 7:05
